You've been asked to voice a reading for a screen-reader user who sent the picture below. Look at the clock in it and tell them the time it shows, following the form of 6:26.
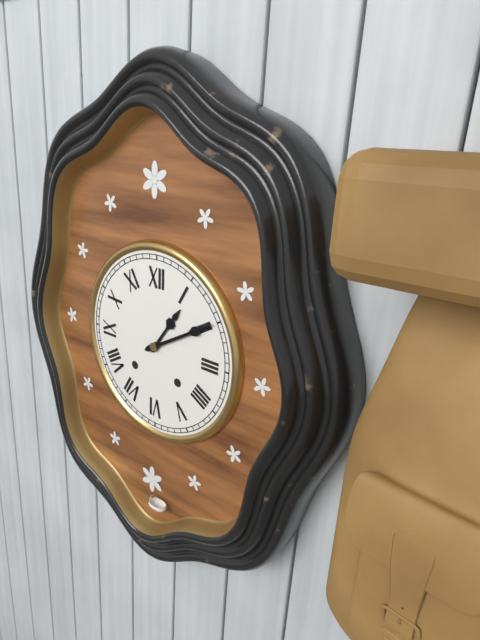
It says 1:10
